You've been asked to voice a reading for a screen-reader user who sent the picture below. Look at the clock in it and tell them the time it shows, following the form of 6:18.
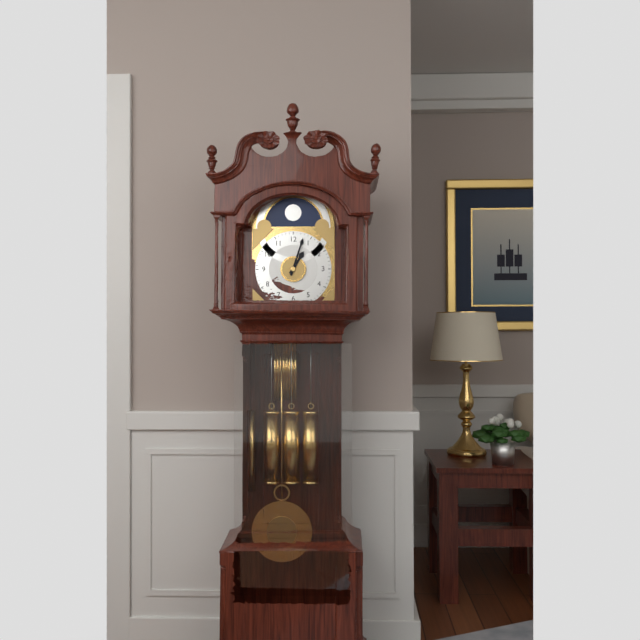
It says 1:03
